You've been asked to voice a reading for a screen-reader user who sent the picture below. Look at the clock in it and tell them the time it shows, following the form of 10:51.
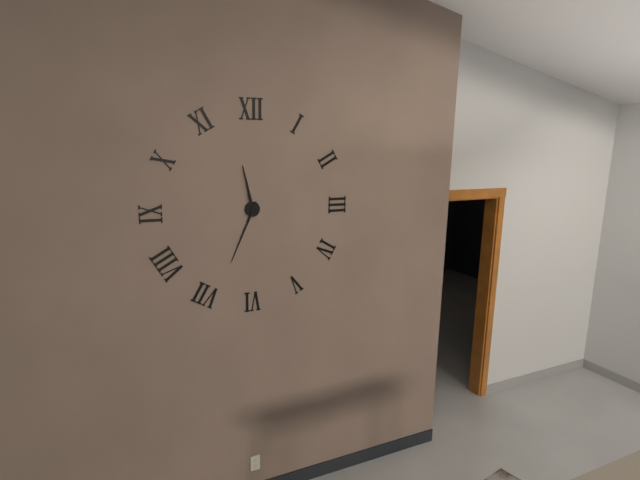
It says 11:34
